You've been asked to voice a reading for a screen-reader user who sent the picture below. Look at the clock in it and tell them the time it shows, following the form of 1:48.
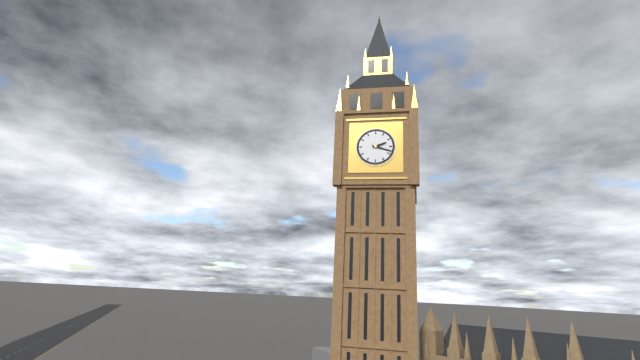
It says 2:18
